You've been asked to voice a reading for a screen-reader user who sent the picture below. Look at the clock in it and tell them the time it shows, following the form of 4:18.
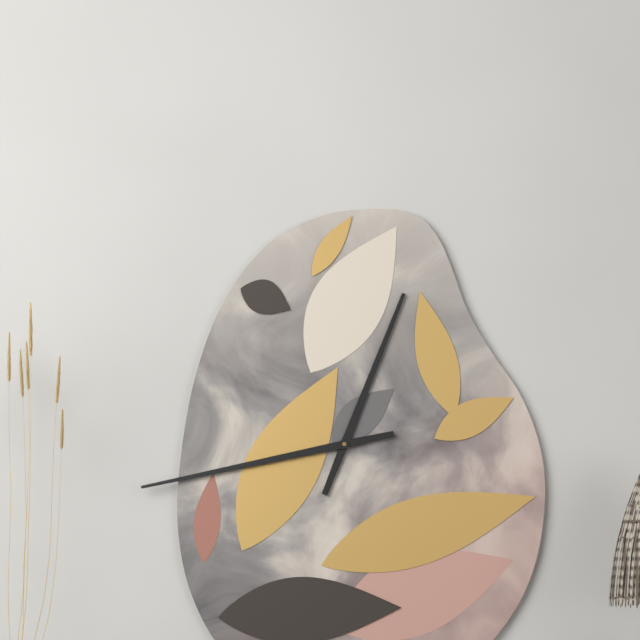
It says 12:43
